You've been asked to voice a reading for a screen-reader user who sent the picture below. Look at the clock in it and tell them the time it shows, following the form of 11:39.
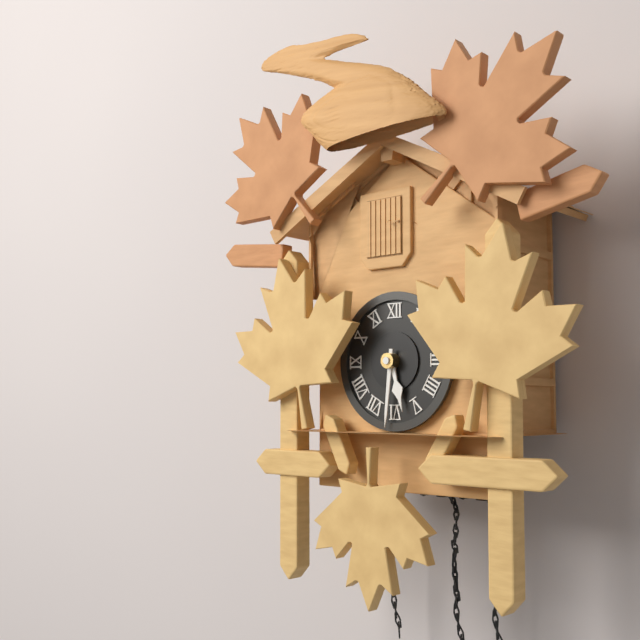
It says 5:31
